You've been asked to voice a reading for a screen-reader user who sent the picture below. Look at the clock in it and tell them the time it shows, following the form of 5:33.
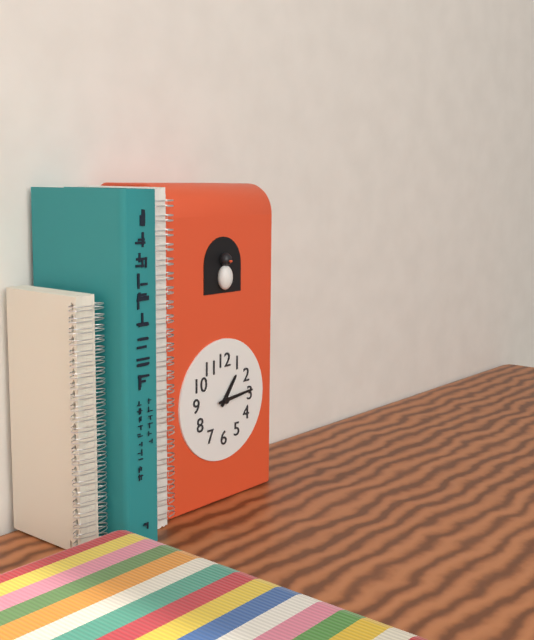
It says 1:14
